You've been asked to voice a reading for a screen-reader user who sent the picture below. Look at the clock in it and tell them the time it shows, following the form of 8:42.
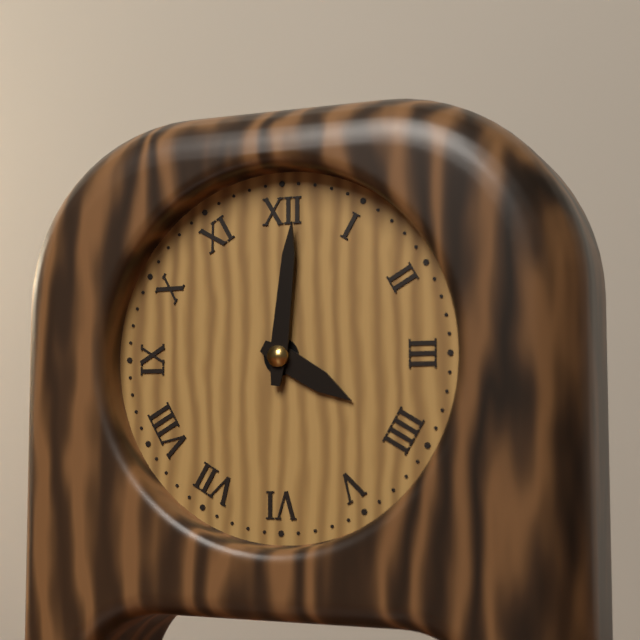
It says 4:01
